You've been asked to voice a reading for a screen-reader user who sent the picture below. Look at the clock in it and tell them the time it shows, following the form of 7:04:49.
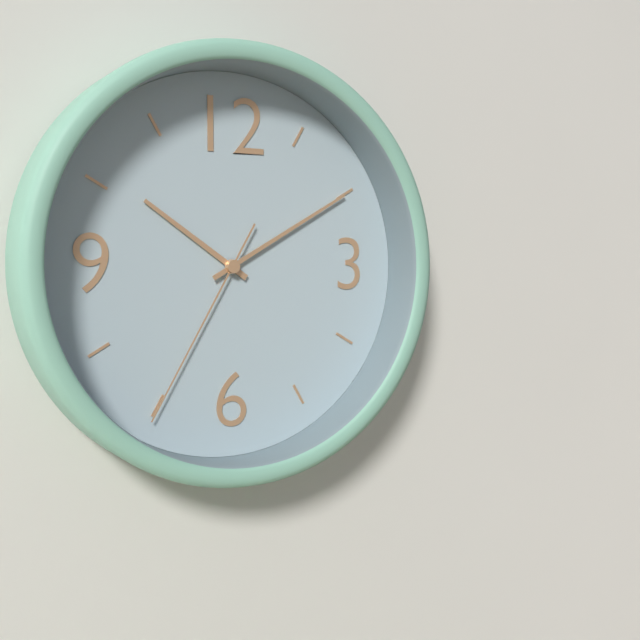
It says 10:10:35
